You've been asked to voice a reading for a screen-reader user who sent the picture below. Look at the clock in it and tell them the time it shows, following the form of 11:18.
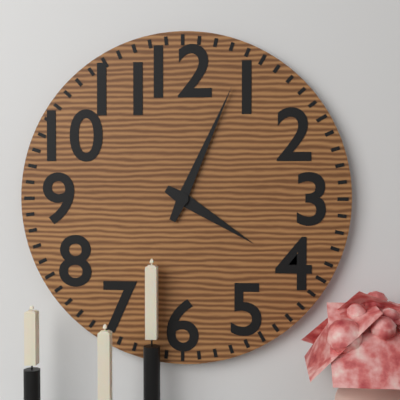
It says 4:04
